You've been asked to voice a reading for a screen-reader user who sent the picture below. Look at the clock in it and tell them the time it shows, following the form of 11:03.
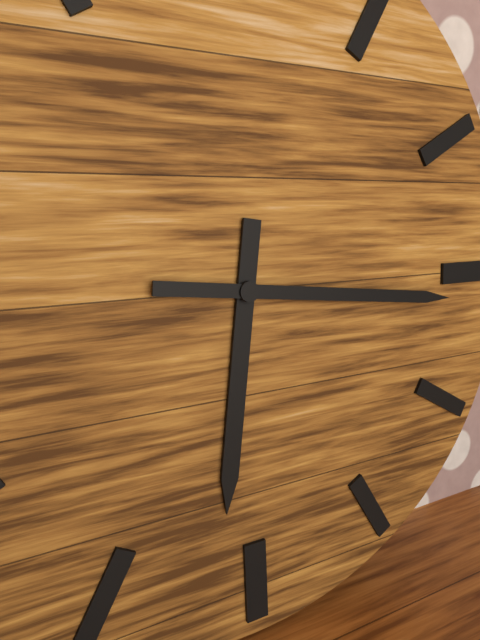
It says 6:16
